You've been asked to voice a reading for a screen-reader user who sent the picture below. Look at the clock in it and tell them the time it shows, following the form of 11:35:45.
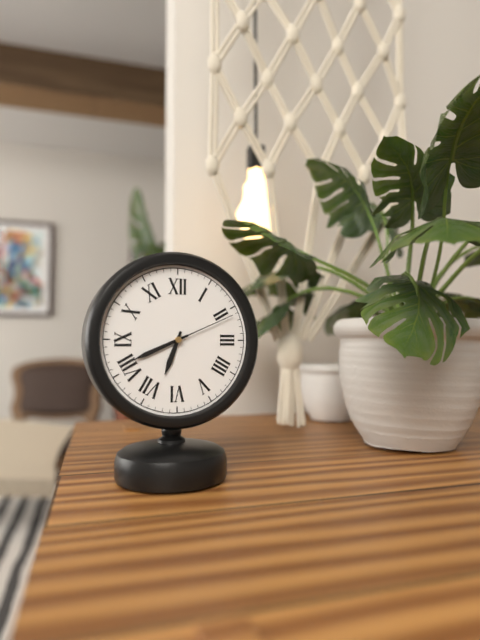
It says 6:41:11
